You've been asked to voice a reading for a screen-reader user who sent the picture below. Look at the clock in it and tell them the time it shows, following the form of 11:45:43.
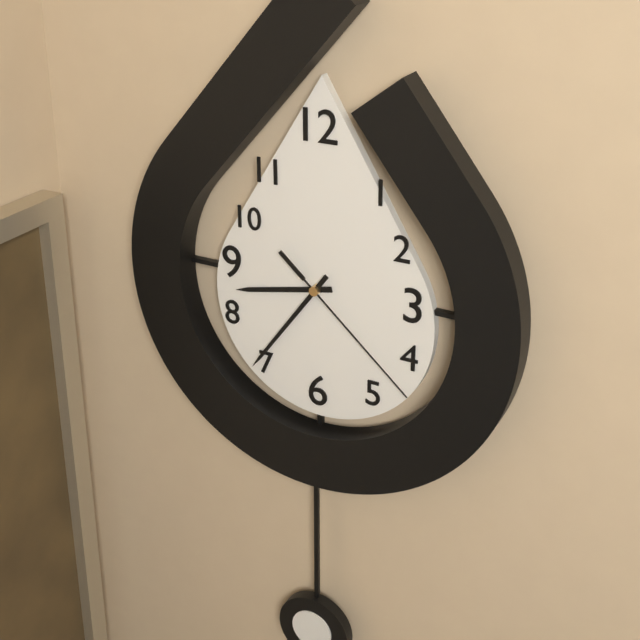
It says 8:36:22
